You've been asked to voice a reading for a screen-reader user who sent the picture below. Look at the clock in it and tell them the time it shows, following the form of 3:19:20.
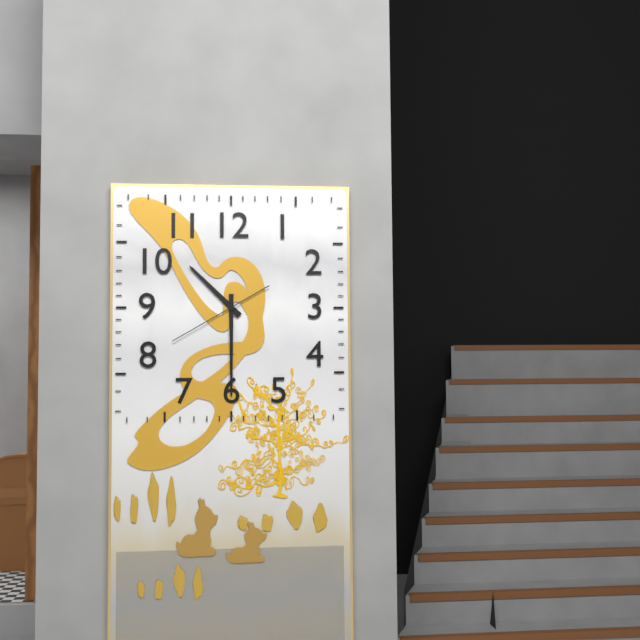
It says 10:30:40
